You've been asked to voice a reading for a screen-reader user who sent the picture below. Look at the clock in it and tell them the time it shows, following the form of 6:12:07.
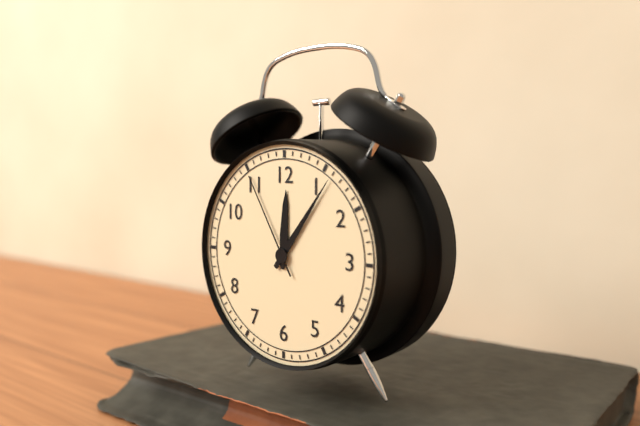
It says 12:06:55
